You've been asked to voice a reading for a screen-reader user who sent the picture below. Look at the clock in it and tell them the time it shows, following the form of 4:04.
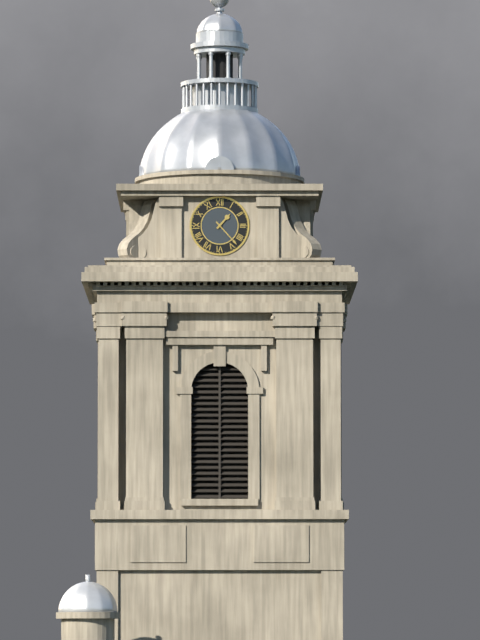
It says 1:23
